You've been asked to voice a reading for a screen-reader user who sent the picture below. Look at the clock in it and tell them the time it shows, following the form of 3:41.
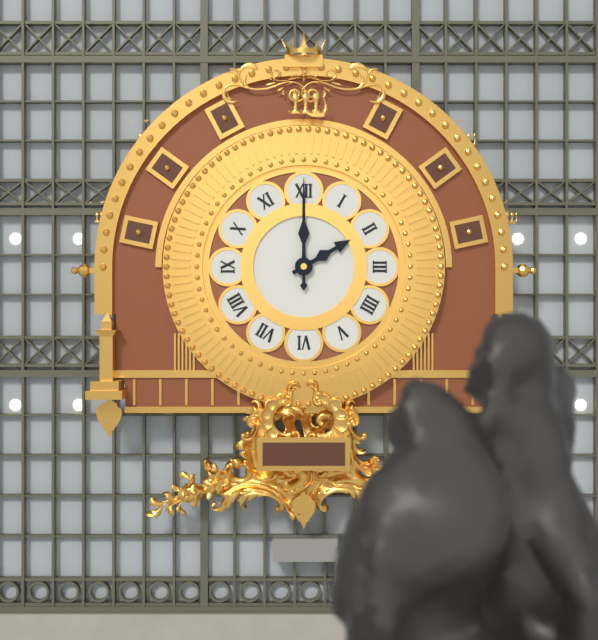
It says 2:00
